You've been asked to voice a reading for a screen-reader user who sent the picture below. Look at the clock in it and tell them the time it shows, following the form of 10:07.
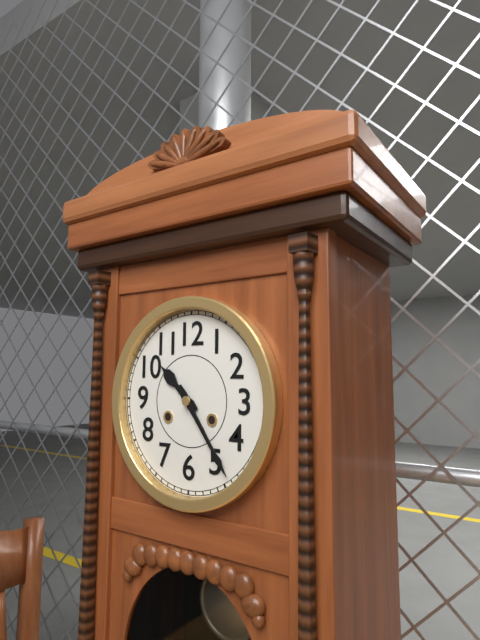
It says 10:24
